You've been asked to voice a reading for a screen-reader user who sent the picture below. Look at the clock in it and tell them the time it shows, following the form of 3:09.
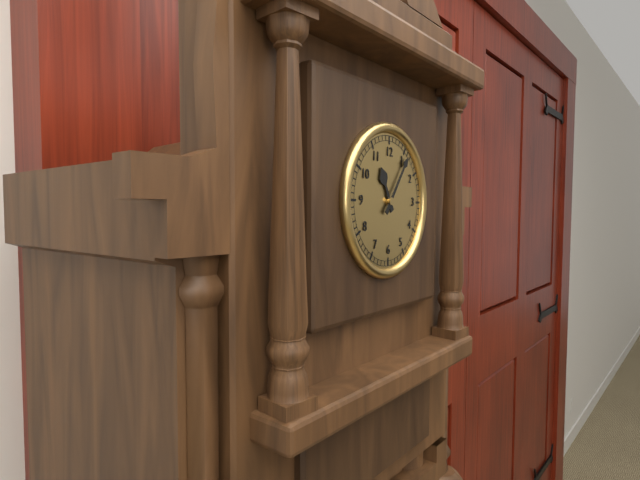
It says 11:06
